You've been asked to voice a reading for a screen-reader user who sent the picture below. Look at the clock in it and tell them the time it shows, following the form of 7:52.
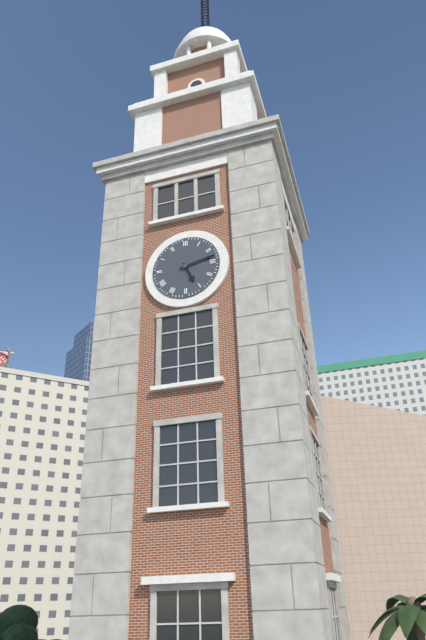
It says 5:13
